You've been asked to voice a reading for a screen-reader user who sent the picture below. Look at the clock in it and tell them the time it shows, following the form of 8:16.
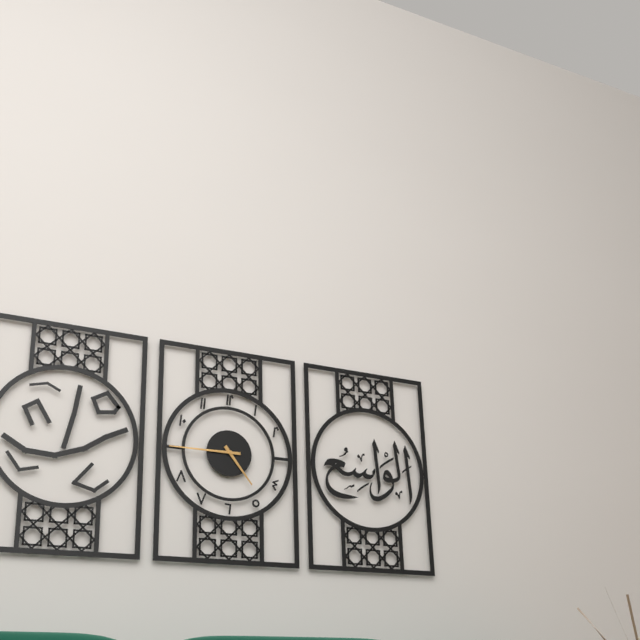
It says 4:45
